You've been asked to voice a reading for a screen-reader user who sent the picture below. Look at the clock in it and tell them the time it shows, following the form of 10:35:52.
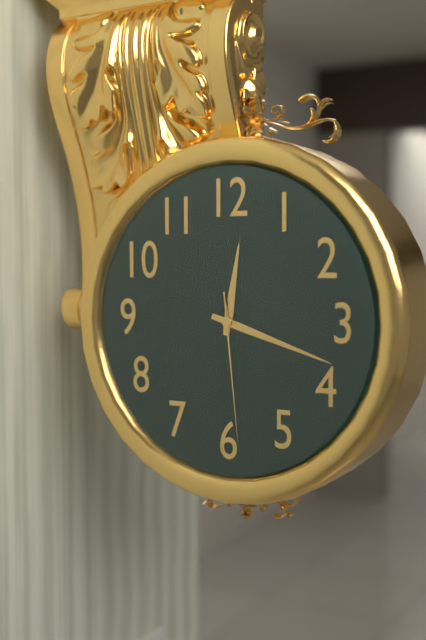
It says 12:18:29
